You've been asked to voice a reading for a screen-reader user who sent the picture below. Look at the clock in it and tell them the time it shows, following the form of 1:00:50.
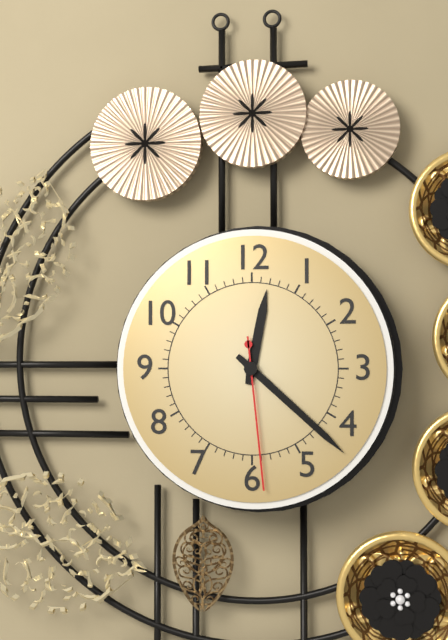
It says 12:22:29
